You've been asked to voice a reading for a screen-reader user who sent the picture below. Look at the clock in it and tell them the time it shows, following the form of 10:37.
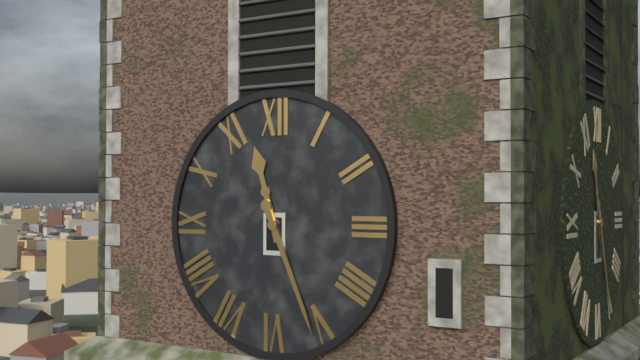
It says 11:26
